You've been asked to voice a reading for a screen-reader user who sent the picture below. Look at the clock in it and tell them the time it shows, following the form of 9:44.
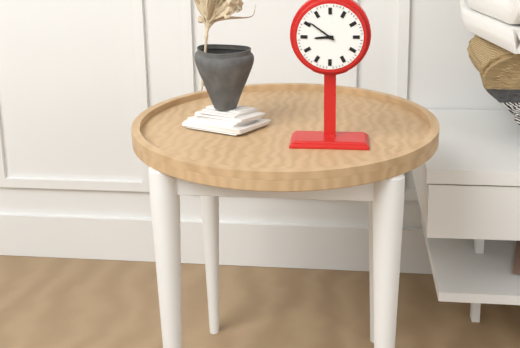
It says 8:51
